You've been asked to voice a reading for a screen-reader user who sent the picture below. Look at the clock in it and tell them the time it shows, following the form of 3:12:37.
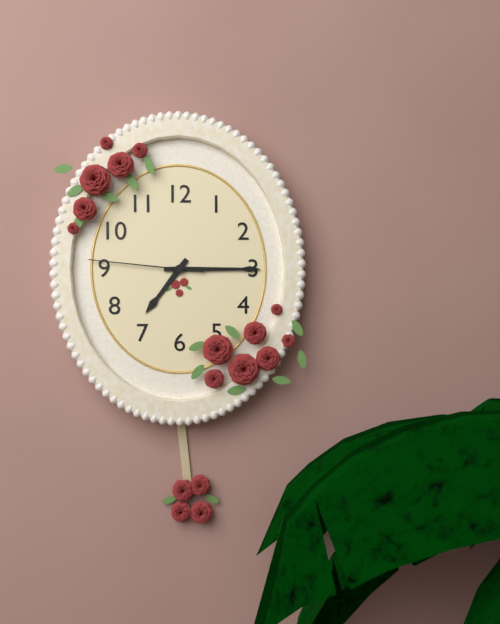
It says 7:15:46
